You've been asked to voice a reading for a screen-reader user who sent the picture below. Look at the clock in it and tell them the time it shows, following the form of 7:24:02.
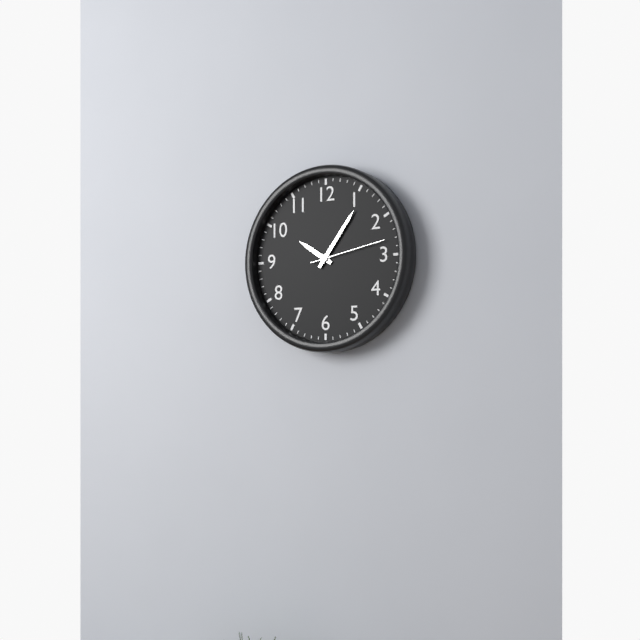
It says 10:06:13
